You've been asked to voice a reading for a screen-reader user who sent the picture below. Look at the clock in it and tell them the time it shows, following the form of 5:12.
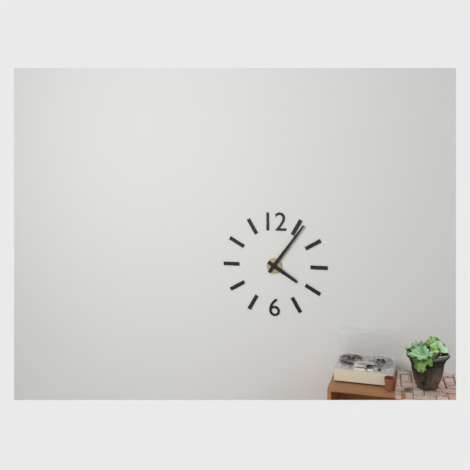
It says 4:06
